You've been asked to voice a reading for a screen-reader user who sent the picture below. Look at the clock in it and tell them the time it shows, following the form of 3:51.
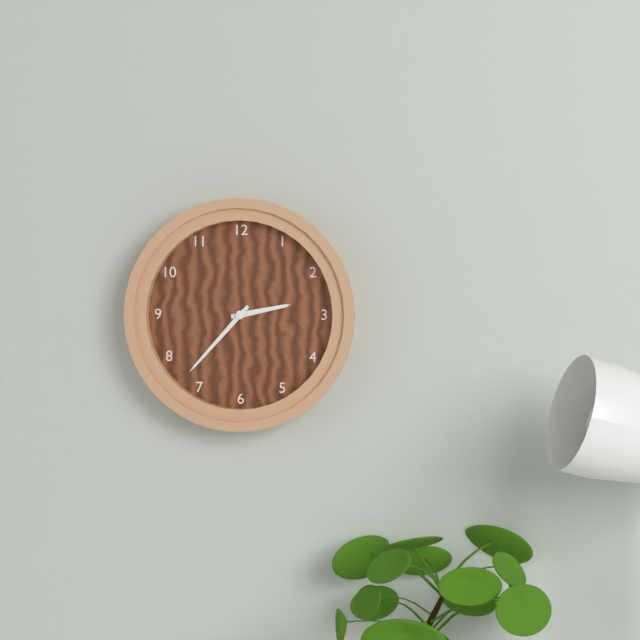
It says 2:37
